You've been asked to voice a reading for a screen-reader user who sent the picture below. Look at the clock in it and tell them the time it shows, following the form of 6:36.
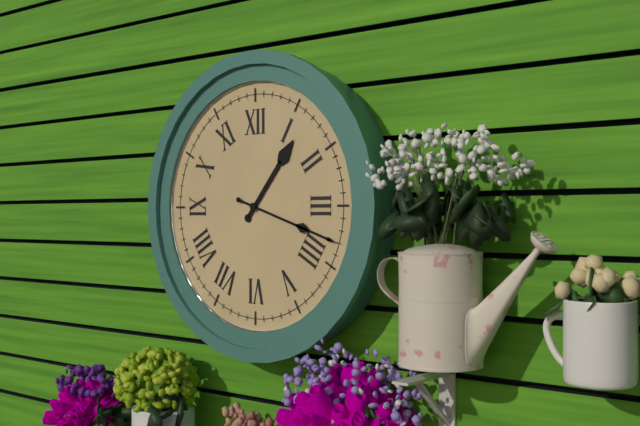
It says 1:18
